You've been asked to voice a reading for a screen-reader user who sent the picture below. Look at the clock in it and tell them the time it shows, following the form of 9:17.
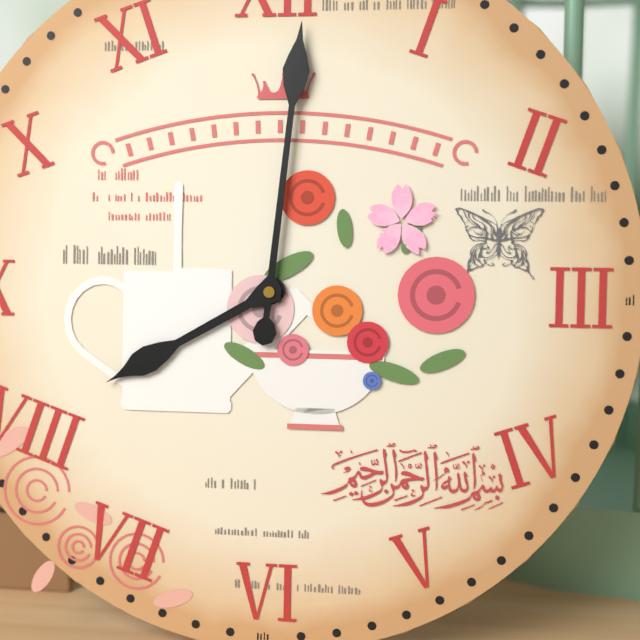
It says 8:01
